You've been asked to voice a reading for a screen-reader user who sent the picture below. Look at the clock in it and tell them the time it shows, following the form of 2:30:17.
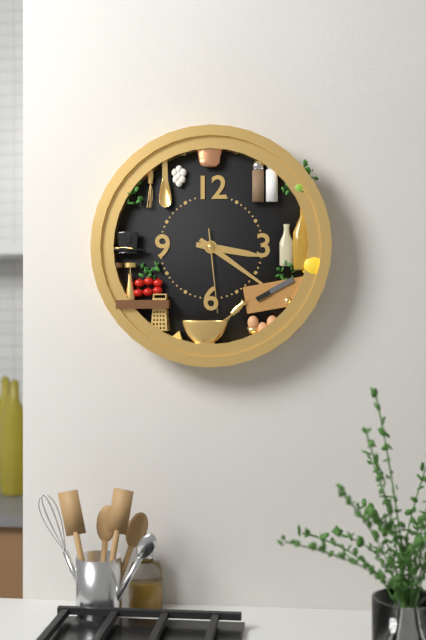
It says 3:21:29
